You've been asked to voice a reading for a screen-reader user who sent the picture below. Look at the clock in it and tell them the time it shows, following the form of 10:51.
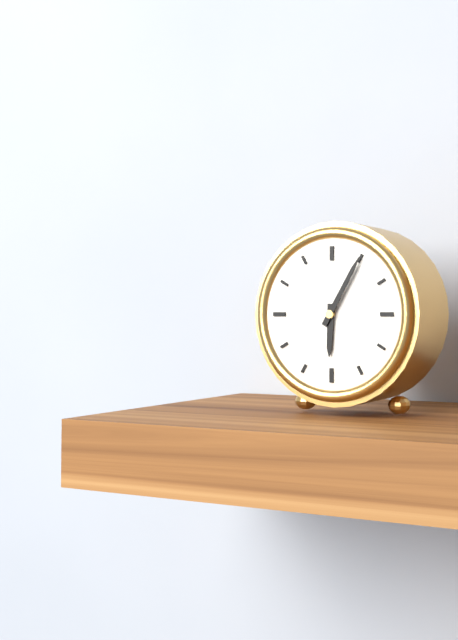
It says 6:05
